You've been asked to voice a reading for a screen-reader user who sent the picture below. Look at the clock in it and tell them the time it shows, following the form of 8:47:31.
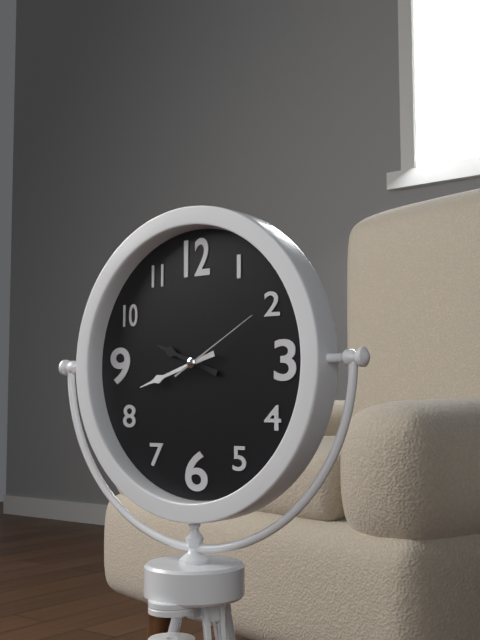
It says 9:42:10
